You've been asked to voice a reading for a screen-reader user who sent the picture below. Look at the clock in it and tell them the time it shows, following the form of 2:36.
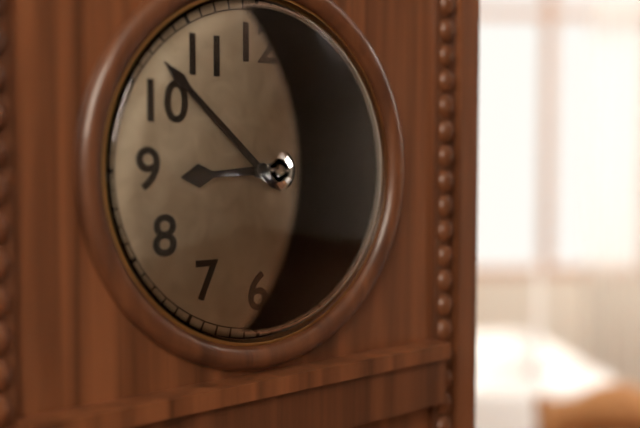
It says 8:52
